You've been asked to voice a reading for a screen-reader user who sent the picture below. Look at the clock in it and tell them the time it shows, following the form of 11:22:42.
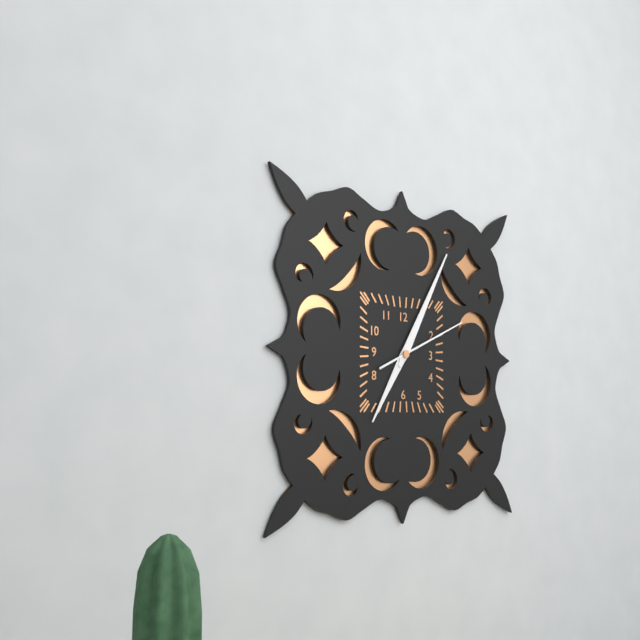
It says 7:05:11
